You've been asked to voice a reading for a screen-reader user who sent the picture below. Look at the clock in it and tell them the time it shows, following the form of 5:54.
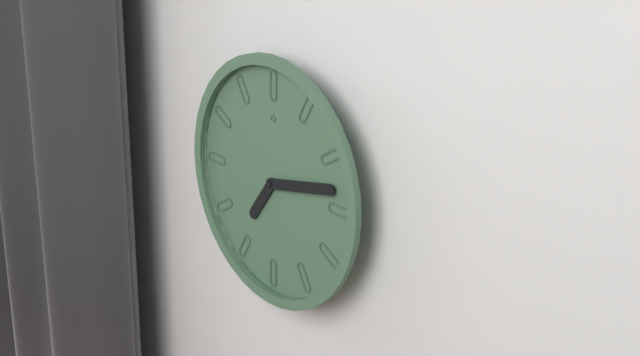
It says 7:13
